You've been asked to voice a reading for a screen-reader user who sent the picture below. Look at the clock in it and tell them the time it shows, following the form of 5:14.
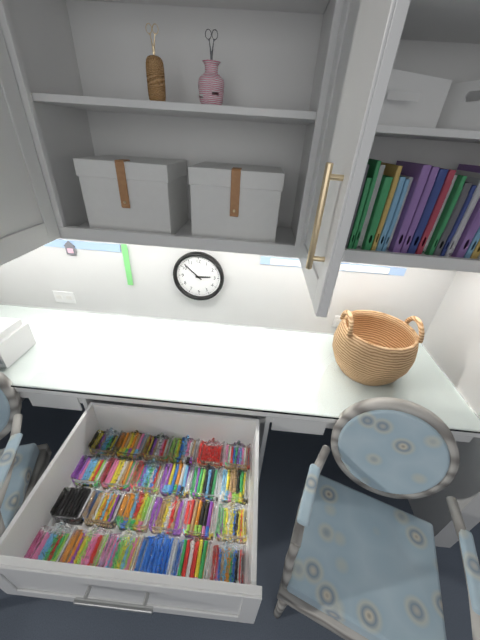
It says 2:52
